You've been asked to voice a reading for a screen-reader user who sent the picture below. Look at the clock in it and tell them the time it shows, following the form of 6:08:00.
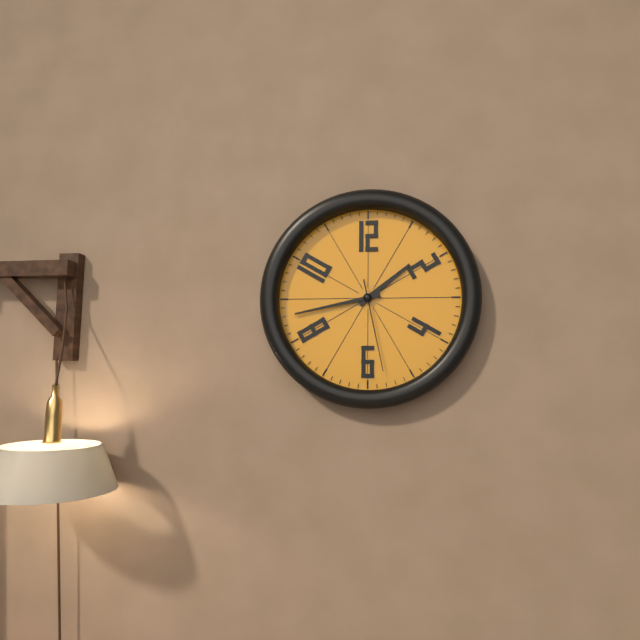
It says 1:43:28
